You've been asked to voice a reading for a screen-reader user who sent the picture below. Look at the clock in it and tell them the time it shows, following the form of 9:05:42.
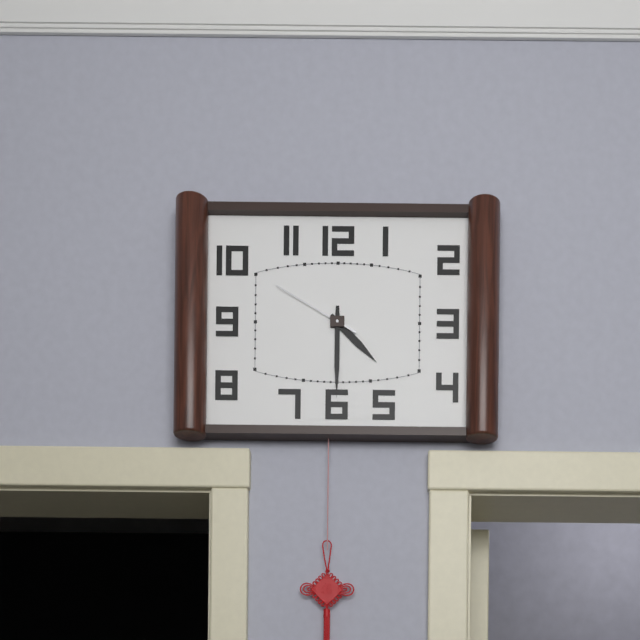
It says 4:30:50
